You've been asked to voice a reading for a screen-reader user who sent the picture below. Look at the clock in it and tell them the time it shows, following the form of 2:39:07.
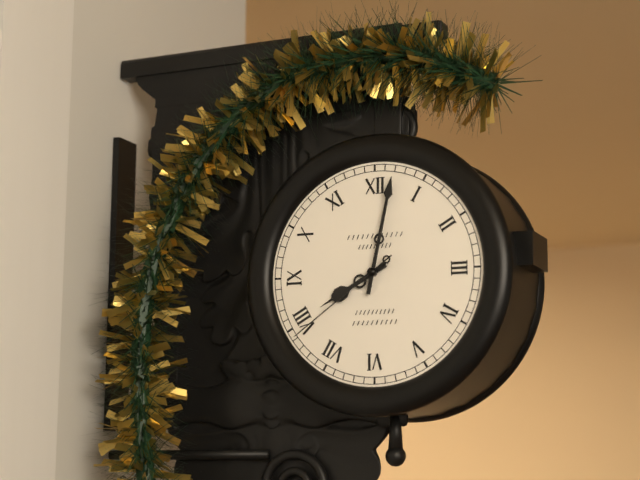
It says 8:02:39
